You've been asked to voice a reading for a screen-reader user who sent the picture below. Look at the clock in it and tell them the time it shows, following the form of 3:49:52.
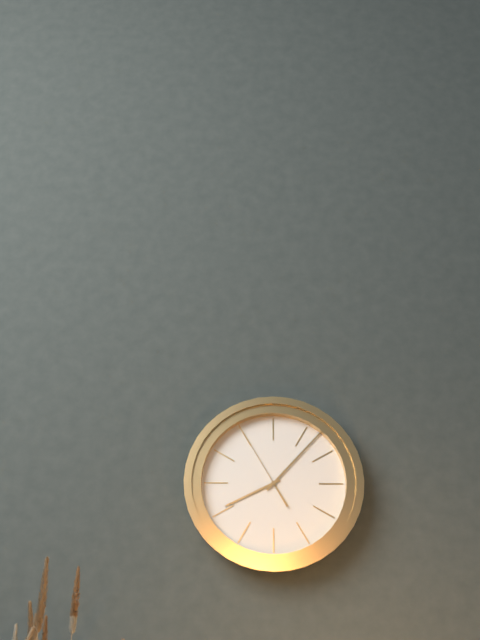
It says 8:07:55
